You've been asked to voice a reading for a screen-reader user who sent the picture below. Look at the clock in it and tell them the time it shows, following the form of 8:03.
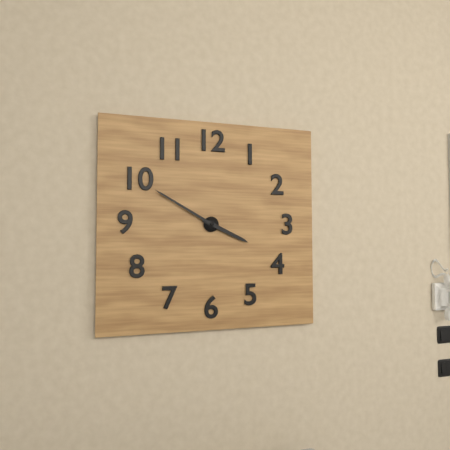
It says 3:50
